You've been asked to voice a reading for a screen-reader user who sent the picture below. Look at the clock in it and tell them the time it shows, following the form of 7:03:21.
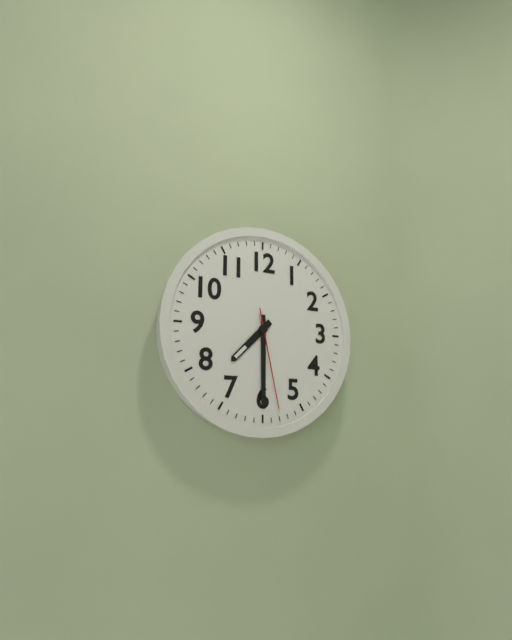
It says 7:30:28
